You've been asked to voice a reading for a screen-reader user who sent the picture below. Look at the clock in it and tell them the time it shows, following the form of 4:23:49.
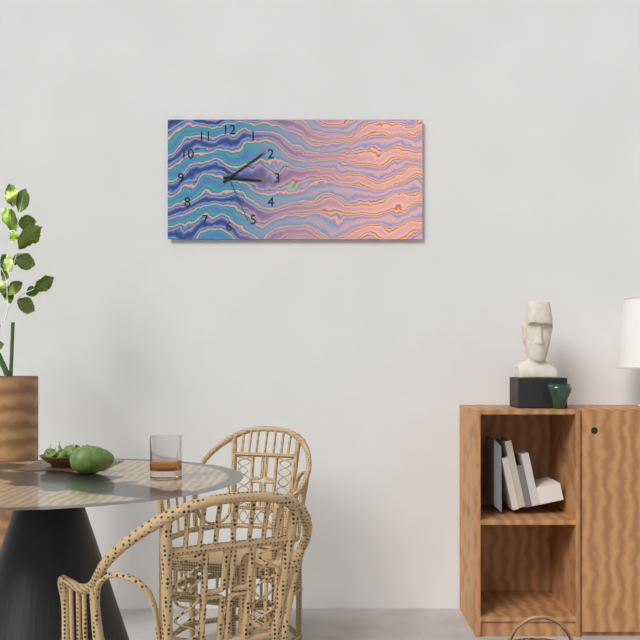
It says 3:09:26
